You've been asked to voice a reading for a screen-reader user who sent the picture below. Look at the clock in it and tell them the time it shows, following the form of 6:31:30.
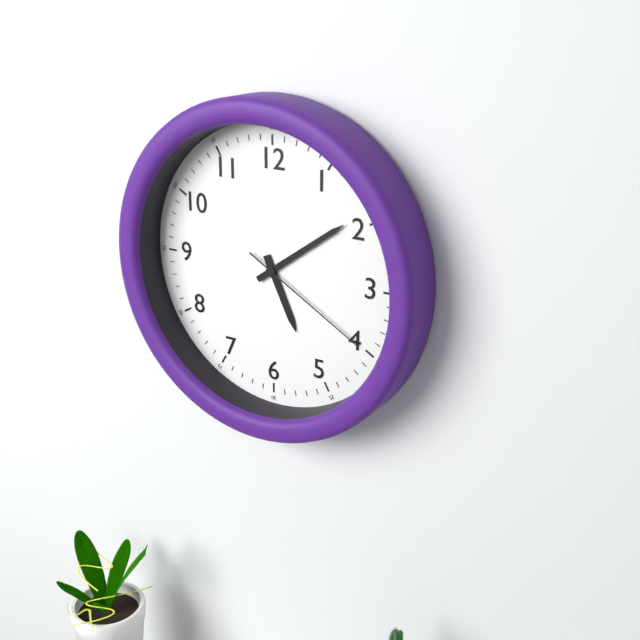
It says 5:09:20
